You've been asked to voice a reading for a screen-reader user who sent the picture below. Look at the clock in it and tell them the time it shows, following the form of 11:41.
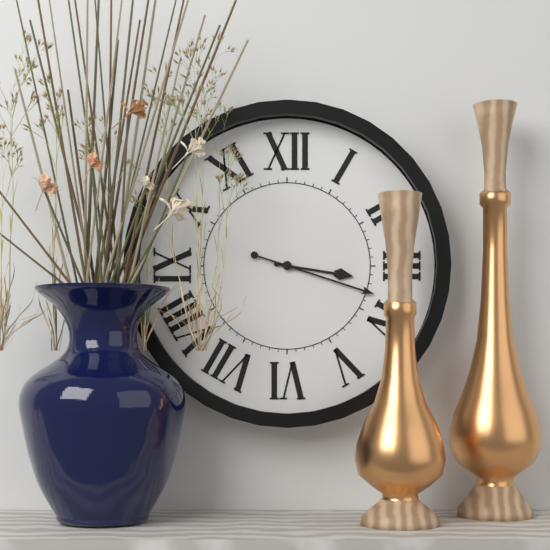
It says 3:18
